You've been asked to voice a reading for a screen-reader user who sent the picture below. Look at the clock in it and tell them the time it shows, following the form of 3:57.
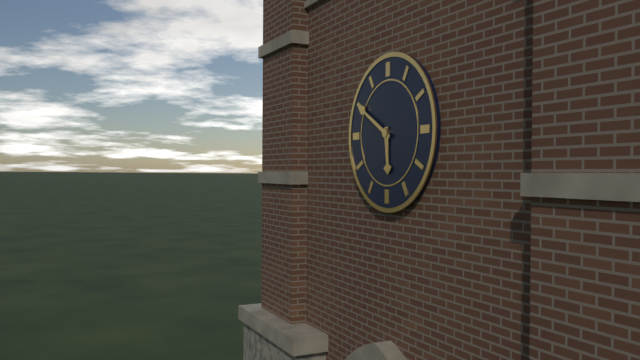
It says 5:50
